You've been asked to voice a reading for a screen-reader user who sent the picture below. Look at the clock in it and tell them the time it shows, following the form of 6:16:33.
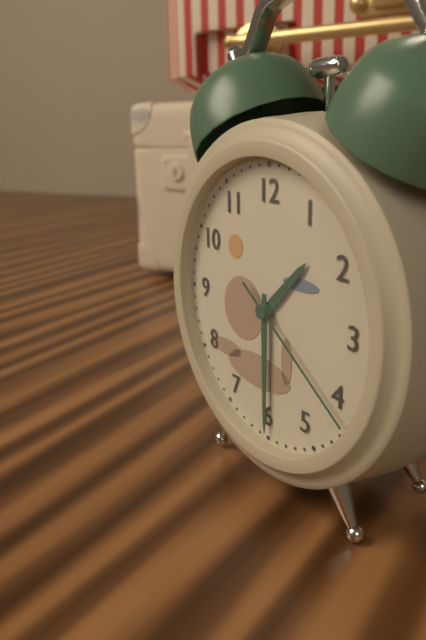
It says 1:30:21
